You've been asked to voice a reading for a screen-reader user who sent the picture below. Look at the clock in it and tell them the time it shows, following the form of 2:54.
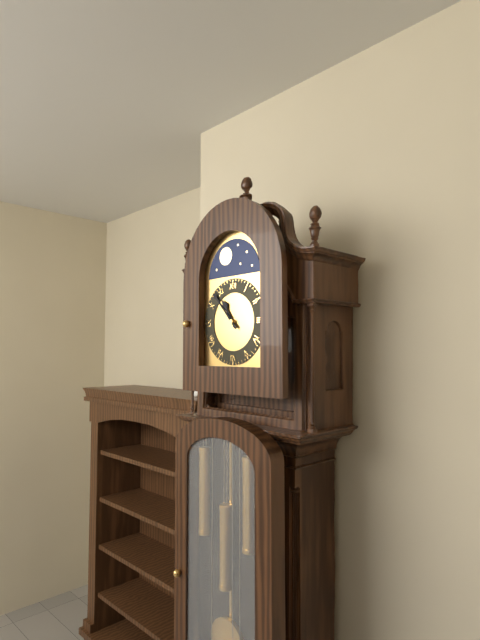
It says 10:53
